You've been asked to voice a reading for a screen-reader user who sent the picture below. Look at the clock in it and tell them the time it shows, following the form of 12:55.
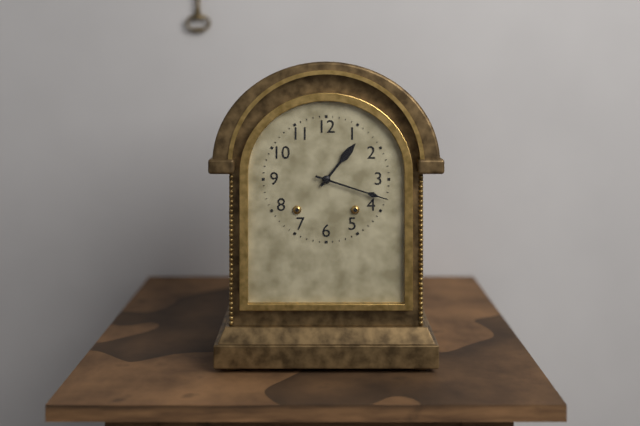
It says 1:18
